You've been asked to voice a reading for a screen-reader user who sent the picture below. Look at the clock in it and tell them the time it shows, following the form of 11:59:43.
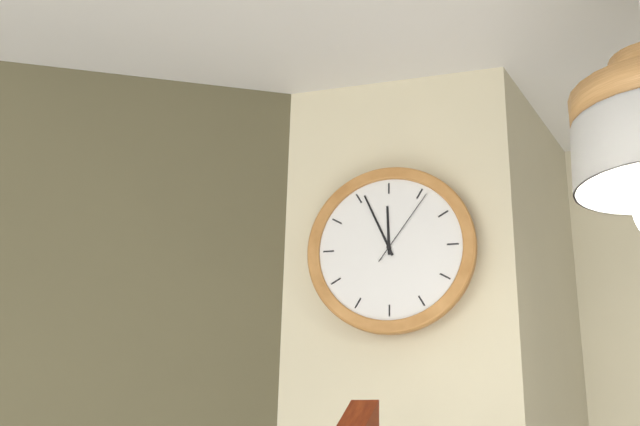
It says 11:56:06
